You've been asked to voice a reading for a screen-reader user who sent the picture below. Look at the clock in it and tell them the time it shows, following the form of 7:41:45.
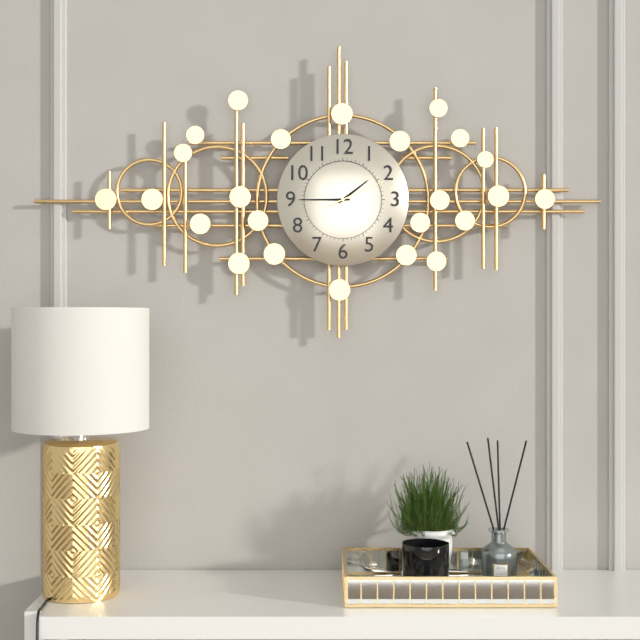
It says 1:45:11
